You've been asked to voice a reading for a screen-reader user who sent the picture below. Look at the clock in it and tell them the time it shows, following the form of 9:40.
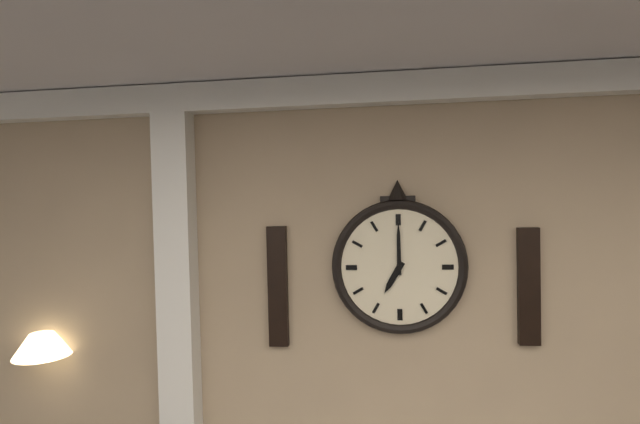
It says 7:00
